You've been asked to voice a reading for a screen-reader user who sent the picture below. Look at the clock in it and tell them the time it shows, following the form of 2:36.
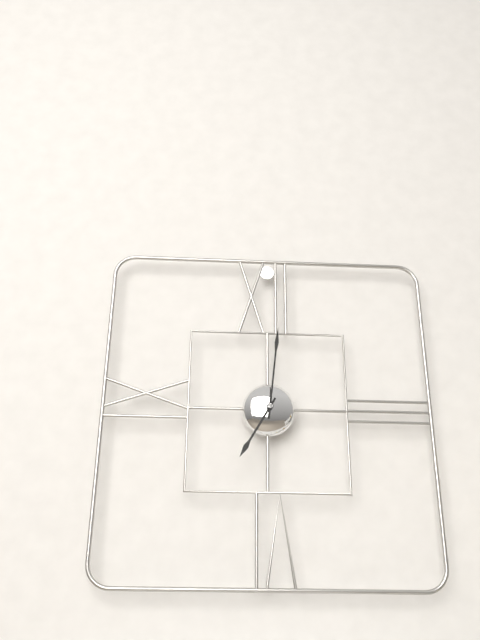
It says 7:01
